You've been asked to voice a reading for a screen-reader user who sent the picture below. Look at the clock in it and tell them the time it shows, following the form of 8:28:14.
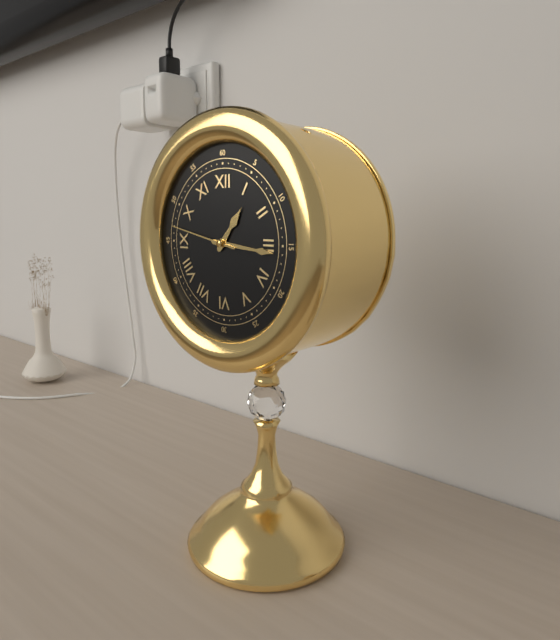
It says 1:16:47
